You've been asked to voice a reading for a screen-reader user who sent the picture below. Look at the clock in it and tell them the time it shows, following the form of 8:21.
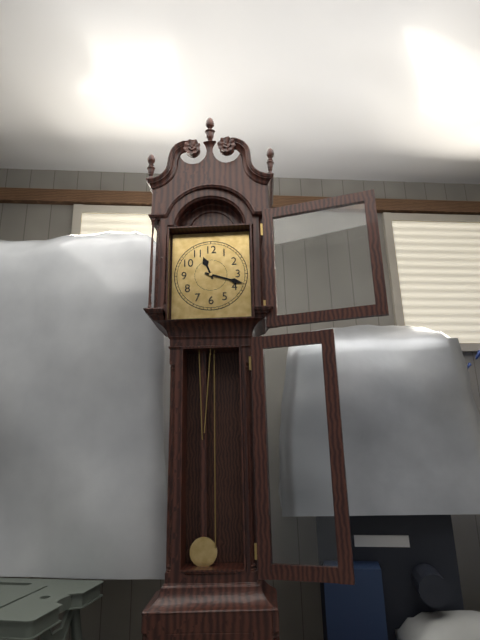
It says 11:18
